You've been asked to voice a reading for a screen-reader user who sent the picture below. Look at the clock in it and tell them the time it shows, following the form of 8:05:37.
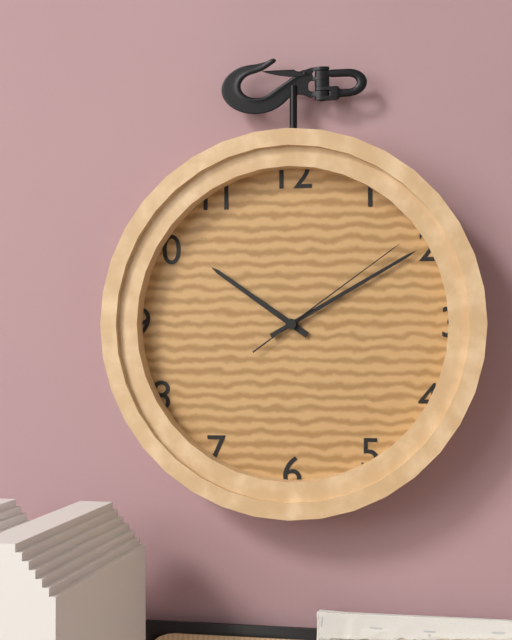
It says 10:10:09
